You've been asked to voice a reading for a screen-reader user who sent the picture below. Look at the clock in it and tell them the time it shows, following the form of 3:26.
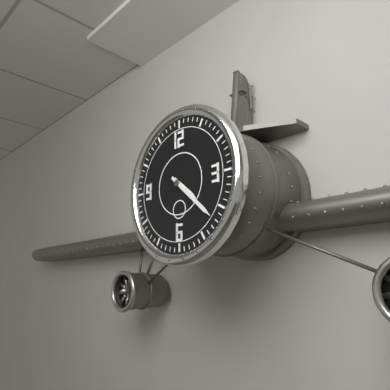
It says 4:22
